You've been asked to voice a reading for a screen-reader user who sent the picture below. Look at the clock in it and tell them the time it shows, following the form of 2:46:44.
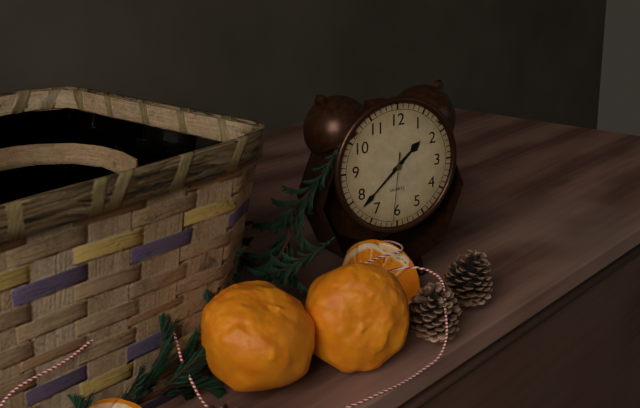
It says 1:38:31
